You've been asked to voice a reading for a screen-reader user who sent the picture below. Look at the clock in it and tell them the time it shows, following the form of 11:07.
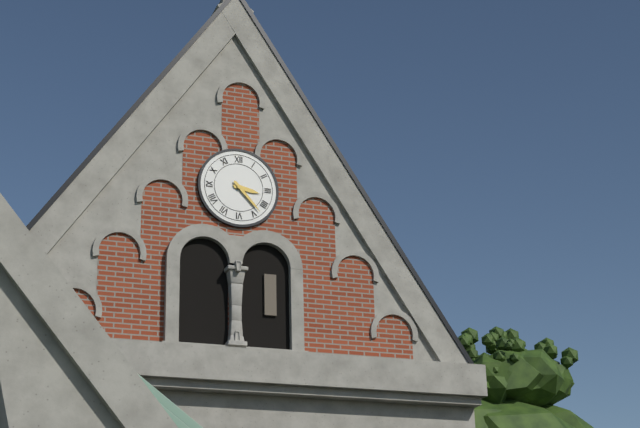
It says 3:23
